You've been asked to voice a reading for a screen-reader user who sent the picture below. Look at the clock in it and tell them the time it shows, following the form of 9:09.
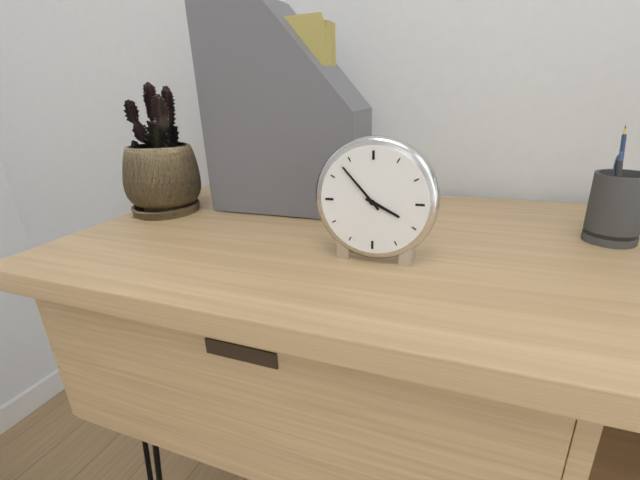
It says 3:53
